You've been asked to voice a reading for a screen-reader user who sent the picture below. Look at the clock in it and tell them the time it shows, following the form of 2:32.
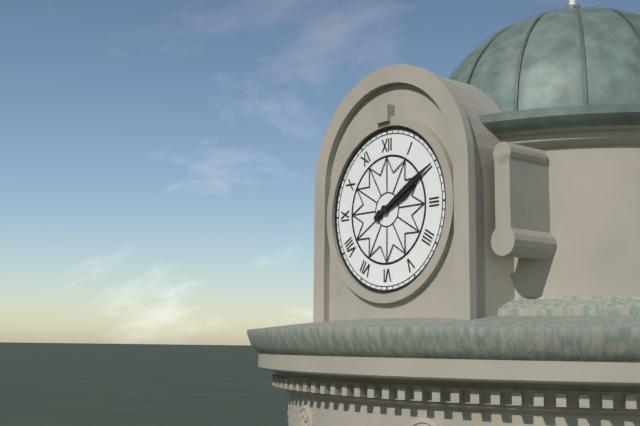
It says 2:10
